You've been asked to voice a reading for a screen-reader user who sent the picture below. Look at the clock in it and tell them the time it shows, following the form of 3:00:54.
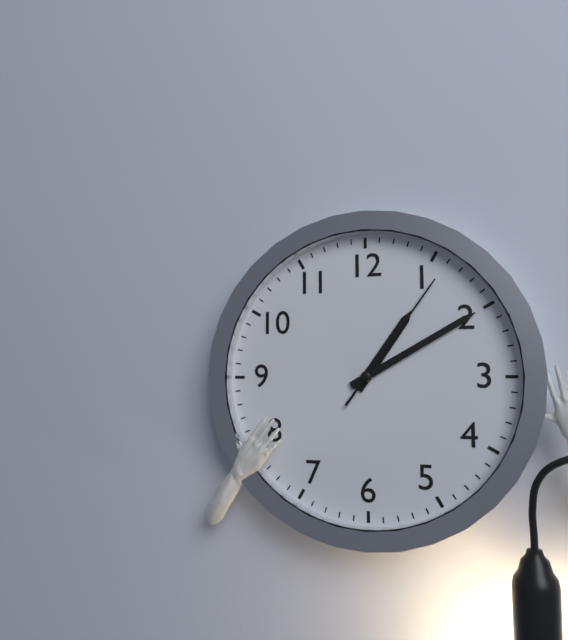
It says 1:10:06
